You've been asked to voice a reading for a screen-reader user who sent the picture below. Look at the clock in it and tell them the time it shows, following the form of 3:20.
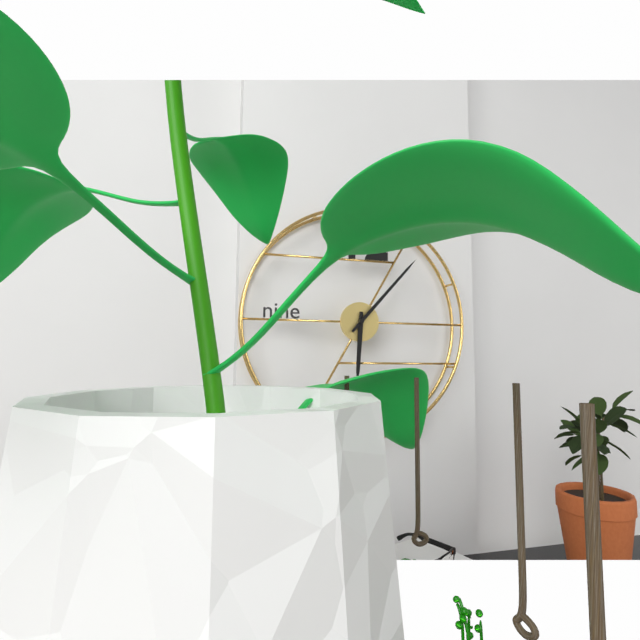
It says 6:07
